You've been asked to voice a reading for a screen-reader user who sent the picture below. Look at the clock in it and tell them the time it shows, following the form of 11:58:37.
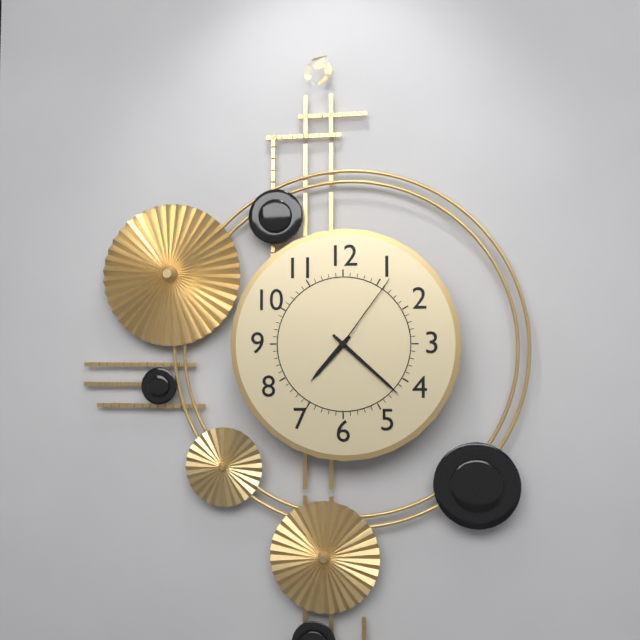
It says 7:22:06
